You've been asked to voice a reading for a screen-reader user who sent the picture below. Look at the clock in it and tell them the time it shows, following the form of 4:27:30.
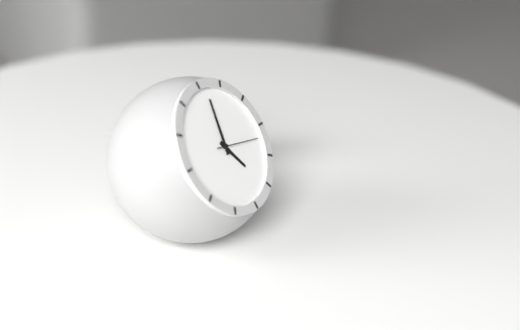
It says 5:02:17
